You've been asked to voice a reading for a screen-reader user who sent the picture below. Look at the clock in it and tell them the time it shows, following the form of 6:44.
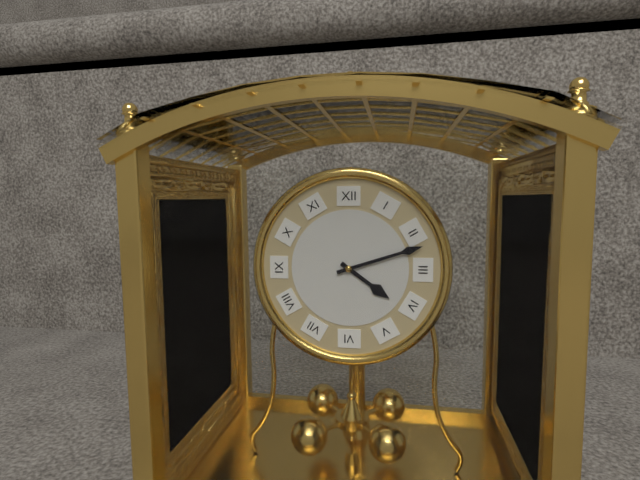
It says 4:12
